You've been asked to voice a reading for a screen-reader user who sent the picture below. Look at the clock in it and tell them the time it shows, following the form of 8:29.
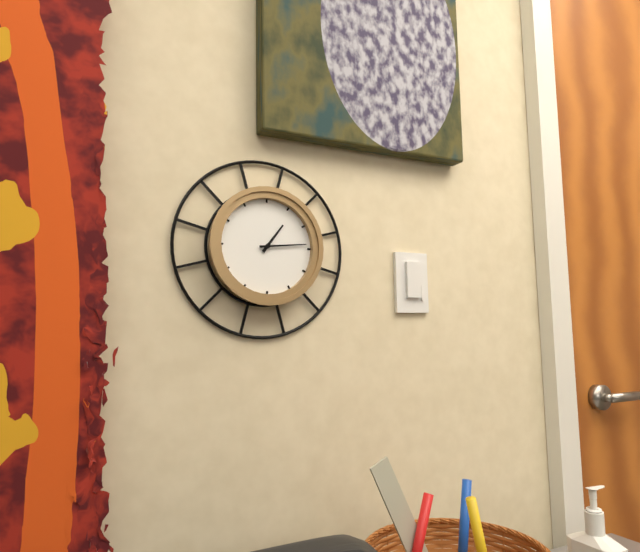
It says 1:14
